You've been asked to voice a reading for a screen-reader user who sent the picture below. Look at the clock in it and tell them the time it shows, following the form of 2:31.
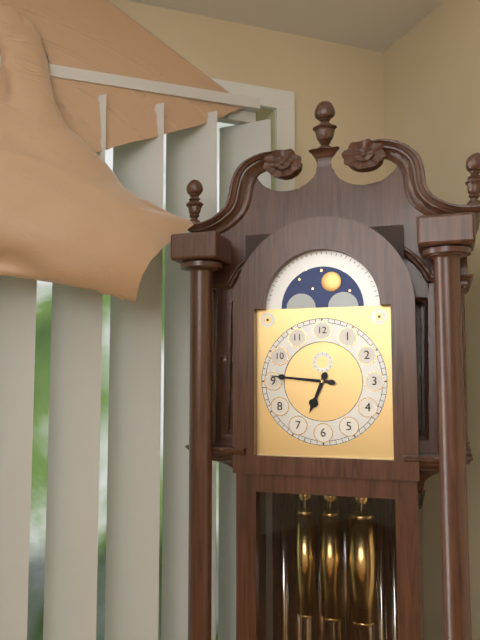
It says 6:46
